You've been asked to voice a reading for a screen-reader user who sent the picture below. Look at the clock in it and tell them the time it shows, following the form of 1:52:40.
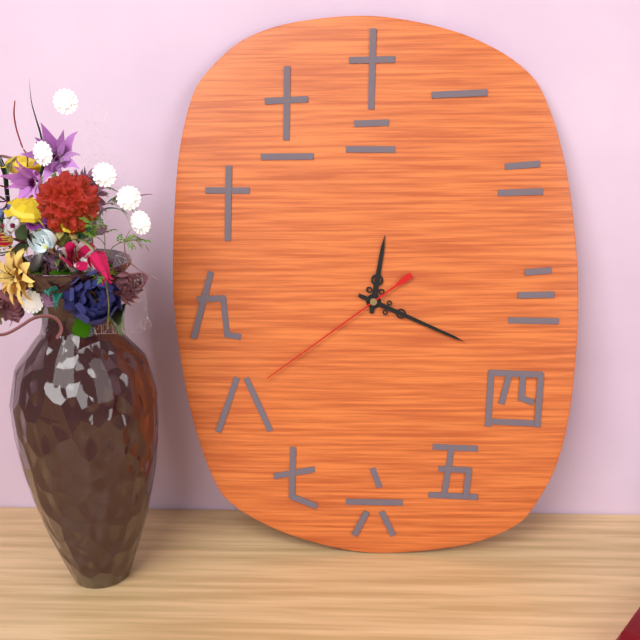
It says 12:19:39
